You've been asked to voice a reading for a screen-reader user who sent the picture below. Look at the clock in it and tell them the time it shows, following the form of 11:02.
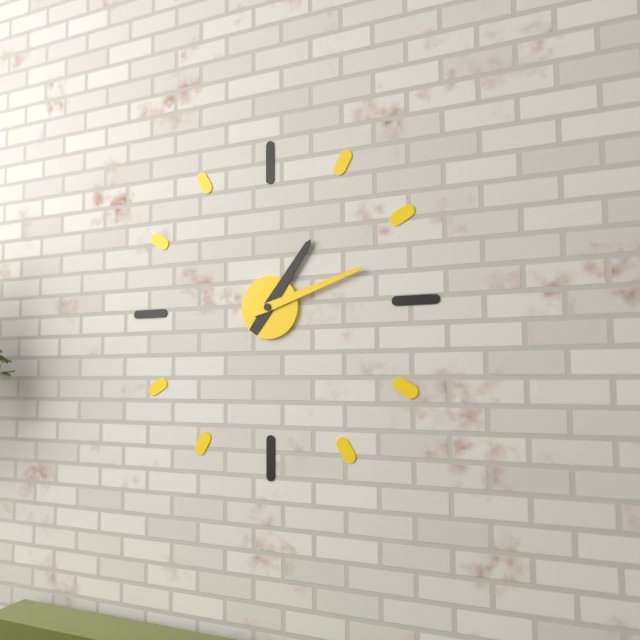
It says 1:12
